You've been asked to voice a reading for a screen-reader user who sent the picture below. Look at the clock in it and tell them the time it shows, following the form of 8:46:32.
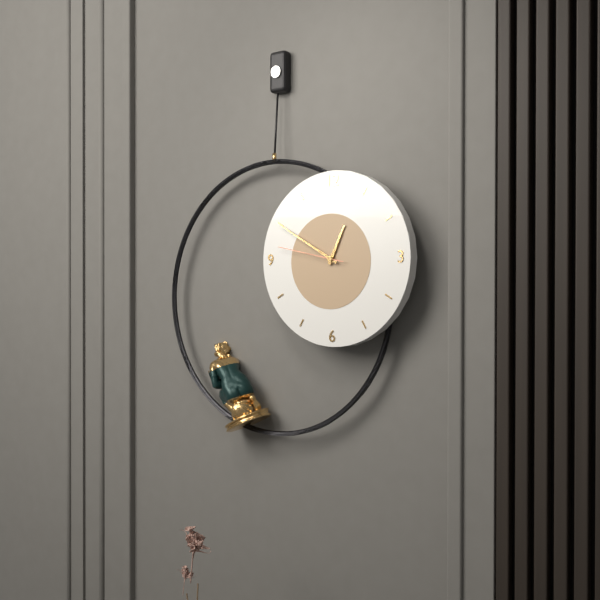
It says 12:50:47
